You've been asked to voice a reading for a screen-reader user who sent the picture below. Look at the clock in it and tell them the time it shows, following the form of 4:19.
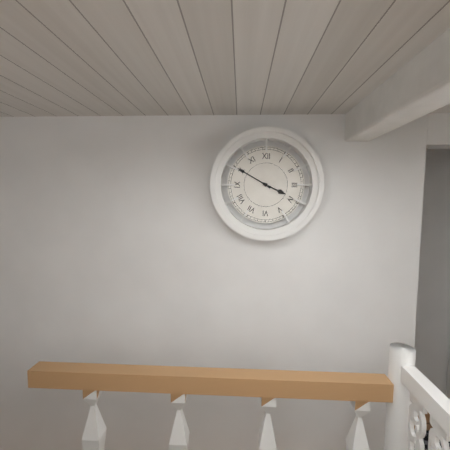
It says 3:50
